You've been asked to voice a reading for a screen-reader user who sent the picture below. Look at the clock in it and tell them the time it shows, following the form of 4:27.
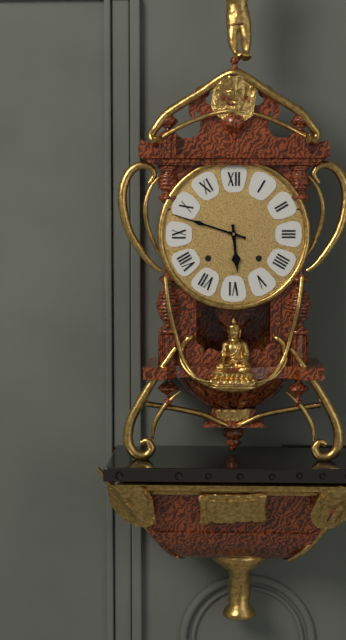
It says 5:48
